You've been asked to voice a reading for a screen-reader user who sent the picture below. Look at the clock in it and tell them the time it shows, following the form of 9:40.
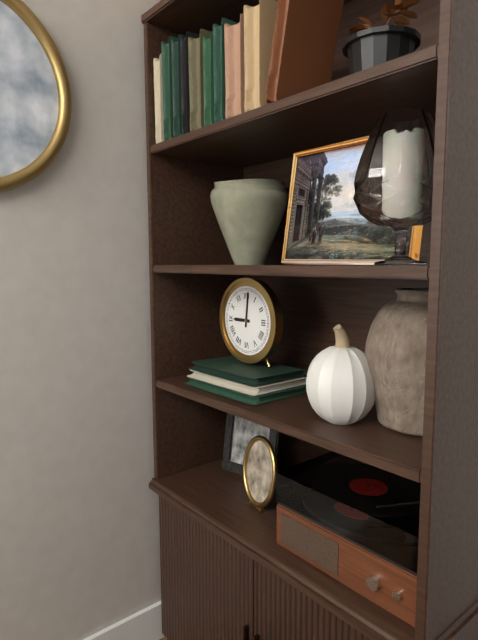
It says 9:01
